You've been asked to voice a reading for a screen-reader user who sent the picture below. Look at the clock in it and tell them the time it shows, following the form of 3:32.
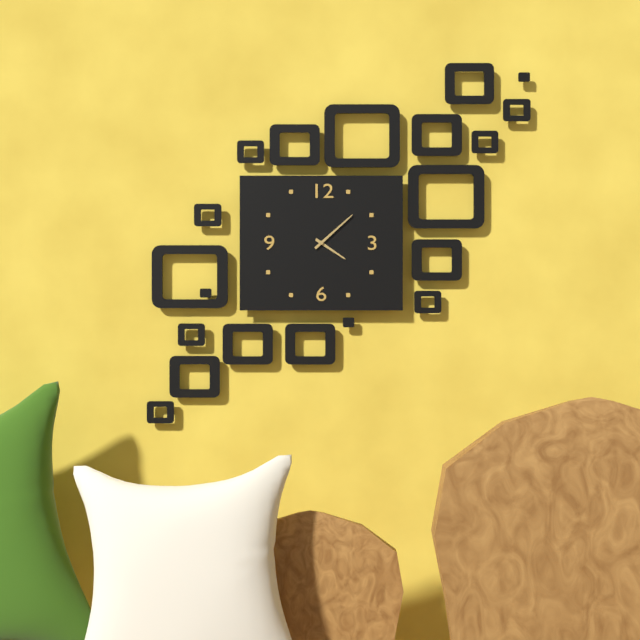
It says 4:08
